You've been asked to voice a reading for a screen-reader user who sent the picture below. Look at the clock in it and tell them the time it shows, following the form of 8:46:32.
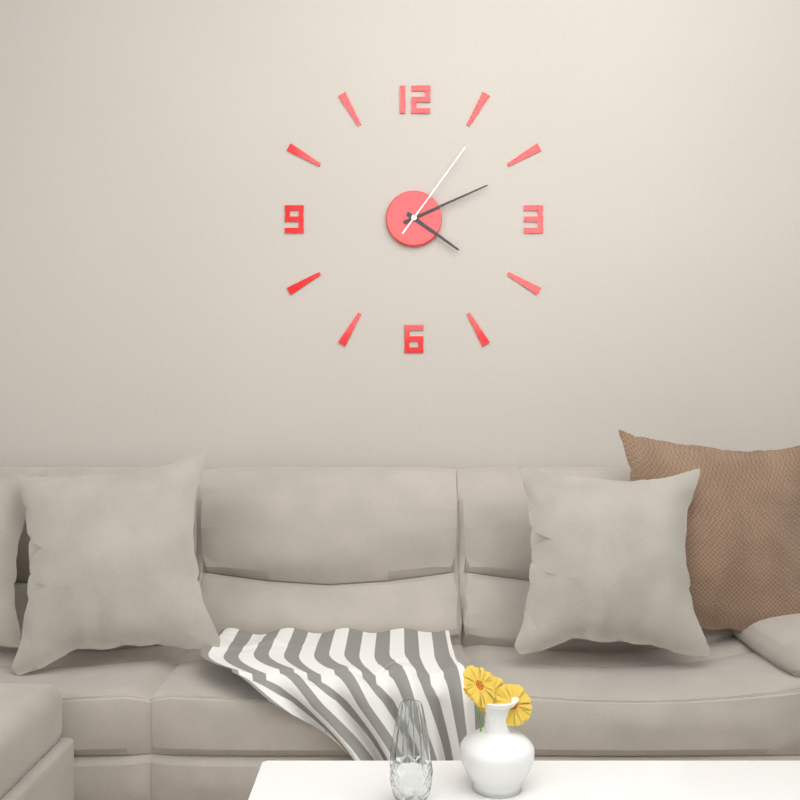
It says 4:11:06
